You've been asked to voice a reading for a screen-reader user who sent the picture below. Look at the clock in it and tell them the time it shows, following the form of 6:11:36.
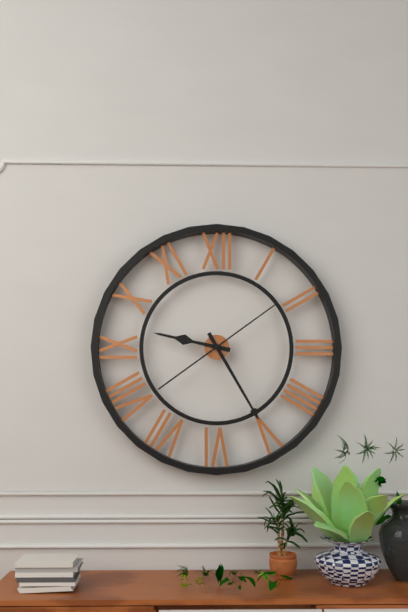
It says 9:25:09
